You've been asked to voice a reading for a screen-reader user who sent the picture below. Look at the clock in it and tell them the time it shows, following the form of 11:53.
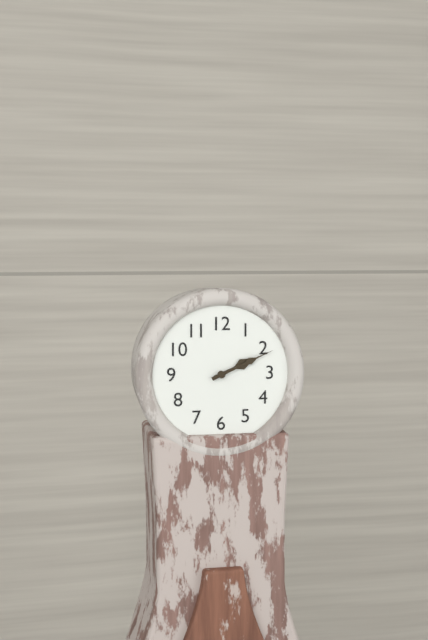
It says 2:11
